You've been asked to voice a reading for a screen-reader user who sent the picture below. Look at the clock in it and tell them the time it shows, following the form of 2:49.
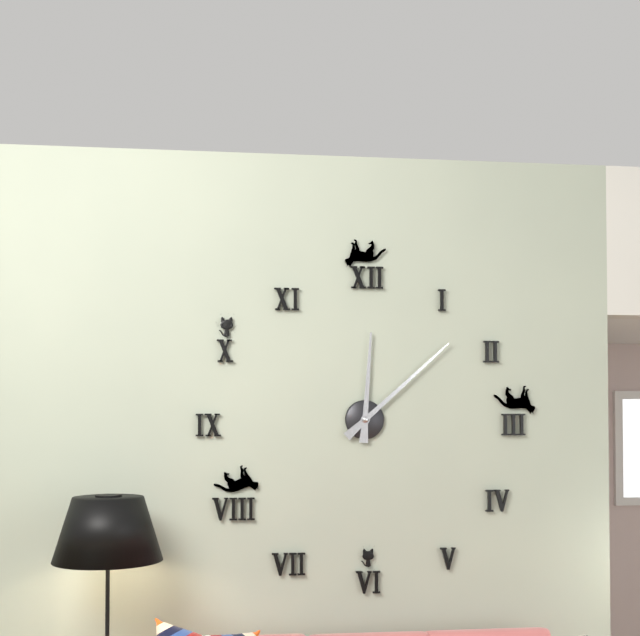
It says 12:08
